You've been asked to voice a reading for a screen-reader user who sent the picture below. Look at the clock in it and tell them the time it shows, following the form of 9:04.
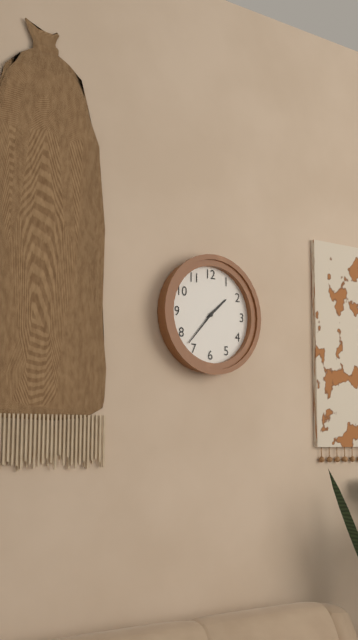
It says 1:37
